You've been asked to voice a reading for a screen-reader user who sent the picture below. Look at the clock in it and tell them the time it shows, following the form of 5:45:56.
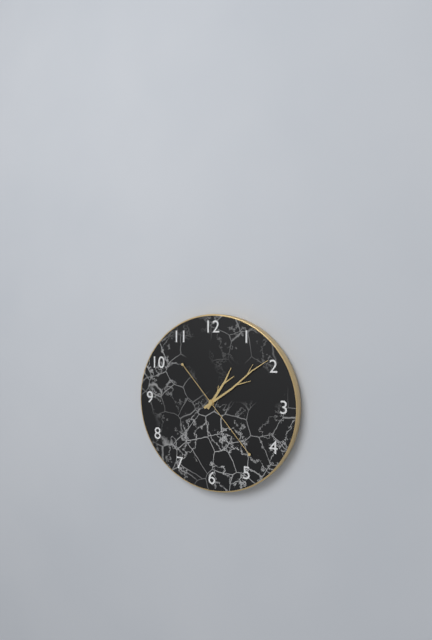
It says 1:09:23
